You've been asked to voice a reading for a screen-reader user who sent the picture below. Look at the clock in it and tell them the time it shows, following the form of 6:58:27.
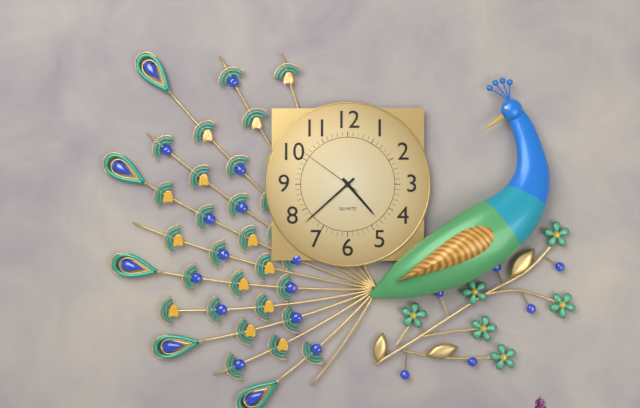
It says 4:38:51
